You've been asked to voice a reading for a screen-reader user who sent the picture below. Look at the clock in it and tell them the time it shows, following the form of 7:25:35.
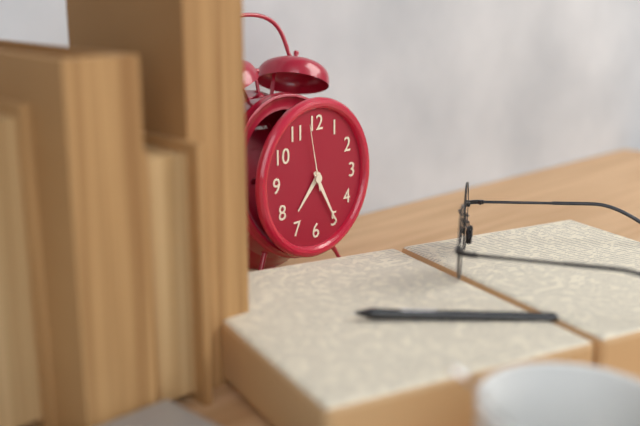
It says 7:25:58
